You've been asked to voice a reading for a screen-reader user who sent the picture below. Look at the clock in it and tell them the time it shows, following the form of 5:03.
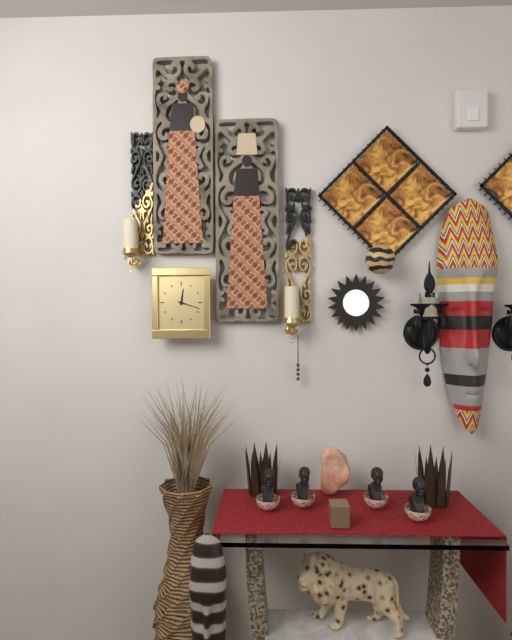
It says 12:18
